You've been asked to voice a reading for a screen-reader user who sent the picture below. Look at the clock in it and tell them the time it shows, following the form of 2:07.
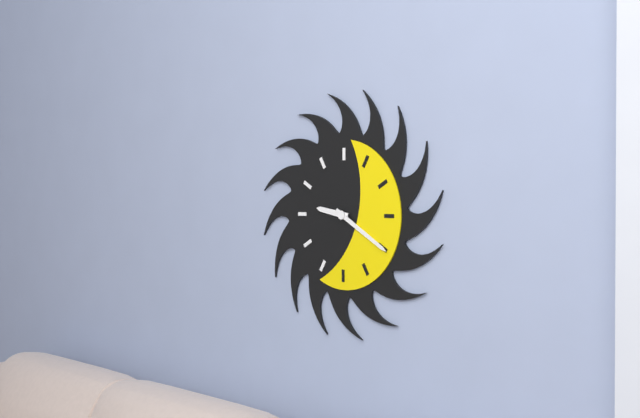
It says 9:20
